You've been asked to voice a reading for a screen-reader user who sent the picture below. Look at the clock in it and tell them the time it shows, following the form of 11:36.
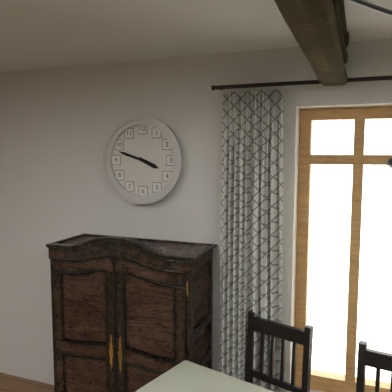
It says 3:48
